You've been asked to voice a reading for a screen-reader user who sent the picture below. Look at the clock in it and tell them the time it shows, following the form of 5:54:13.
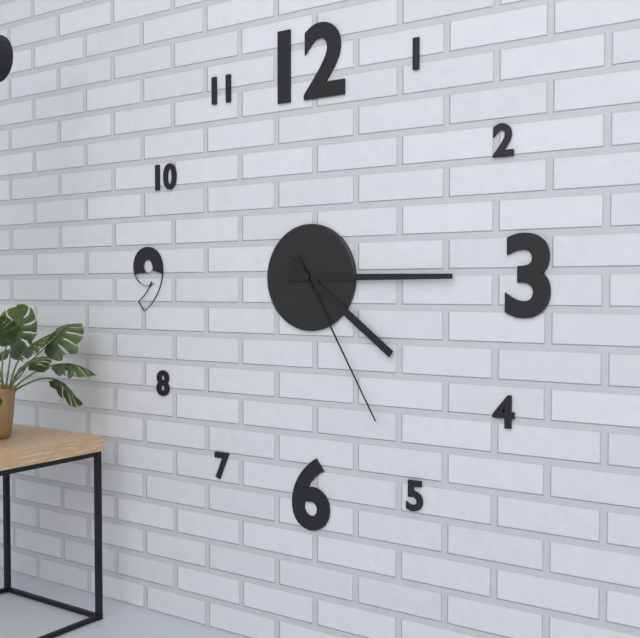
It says 4:15:25
